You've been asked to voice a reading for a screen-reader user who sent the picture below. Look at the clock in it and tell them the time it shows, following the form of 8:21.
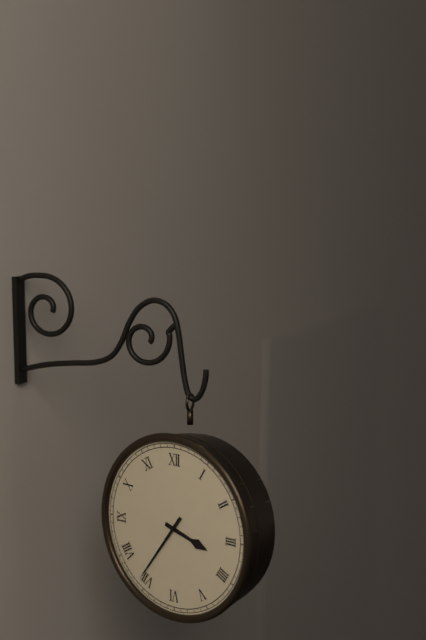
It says 3:36
